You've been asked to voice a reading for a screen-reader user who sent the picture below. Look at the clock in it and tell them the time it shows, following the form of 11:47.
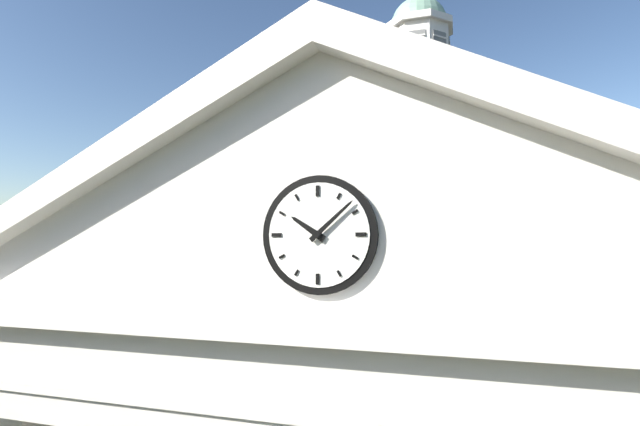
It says 10:08
